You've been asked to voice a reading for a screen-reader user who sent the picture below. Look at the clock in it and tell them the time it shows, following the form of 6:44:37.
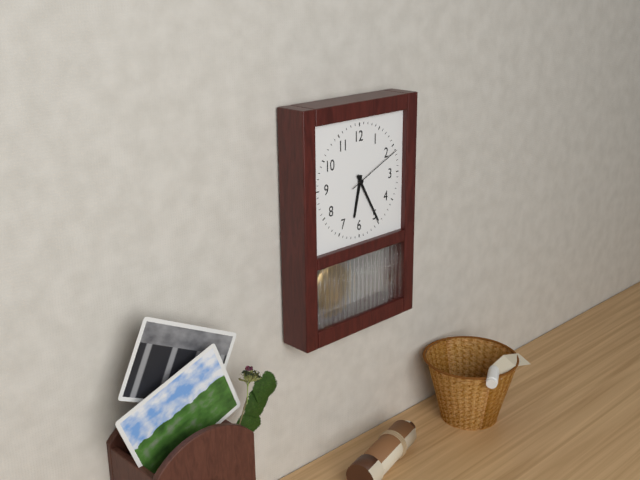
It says 6:25:11
